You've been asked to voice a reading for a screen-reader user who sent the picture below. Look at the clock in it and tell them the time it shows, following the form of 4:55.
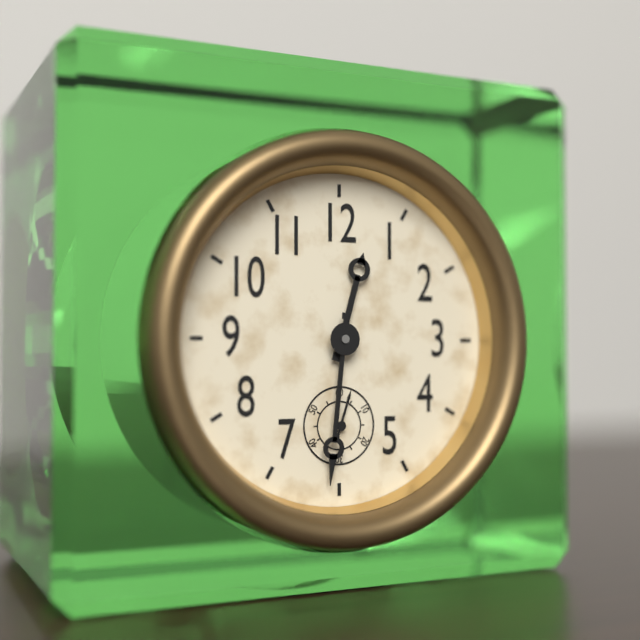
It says 12:31
